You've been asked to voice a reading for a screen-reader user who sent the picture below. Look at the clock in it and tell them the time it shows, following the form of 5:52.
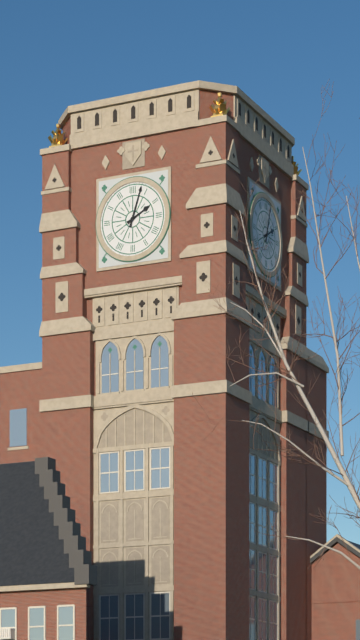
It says 2:03
